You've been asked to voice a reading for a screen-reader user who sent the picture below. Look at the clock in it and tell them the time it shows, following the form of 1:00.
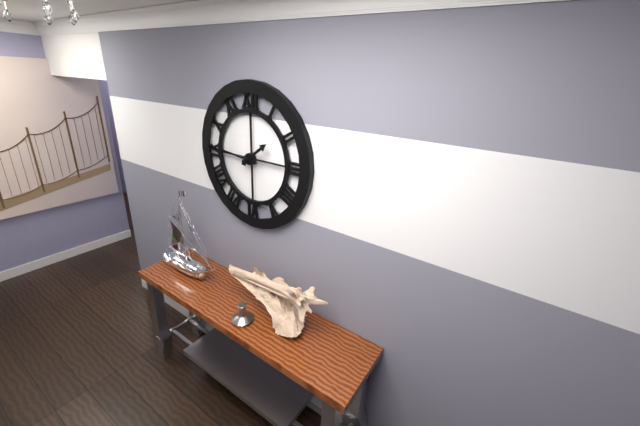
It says 1:46
